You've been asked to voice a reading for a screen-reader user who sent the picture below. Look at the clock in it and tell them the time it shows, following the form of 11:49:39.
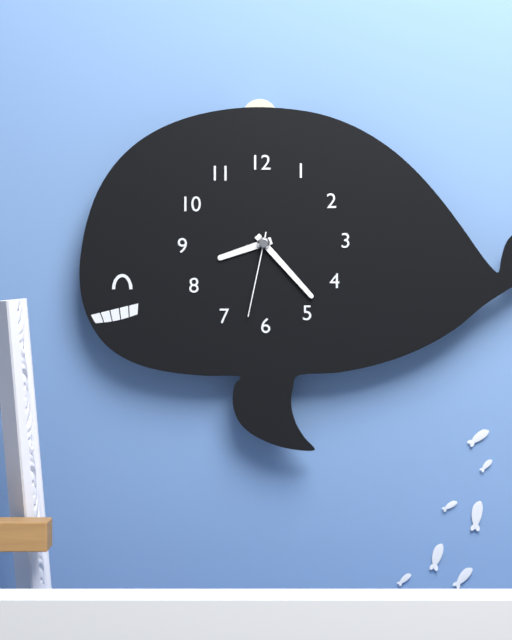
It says 8:23:32
